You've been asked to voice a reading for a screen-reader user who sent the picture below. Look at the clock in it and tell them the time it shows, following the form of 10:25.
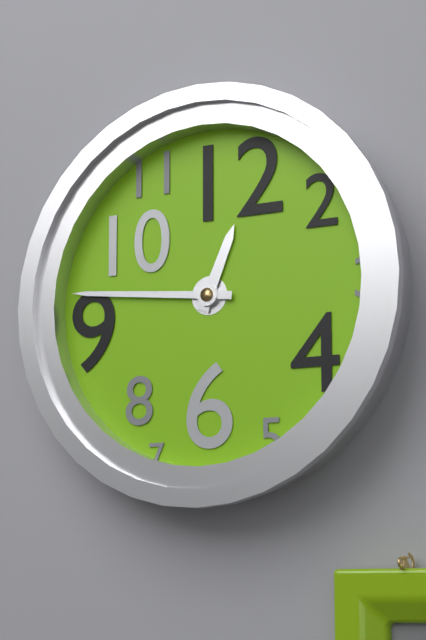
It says 12:46
